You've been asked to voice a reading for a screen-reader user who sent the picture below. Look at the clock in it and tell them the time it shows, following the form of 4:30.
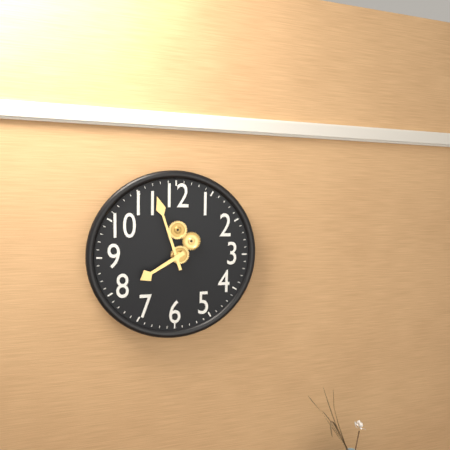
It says 7:57
